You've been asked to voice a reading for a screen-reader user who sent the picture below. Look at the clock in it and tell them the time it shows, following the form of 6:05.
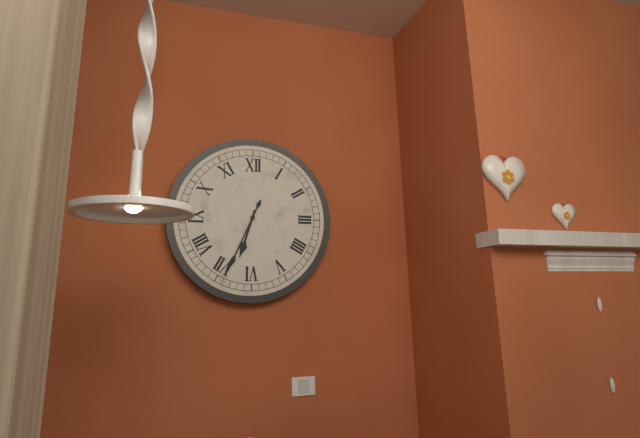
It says 6:34
